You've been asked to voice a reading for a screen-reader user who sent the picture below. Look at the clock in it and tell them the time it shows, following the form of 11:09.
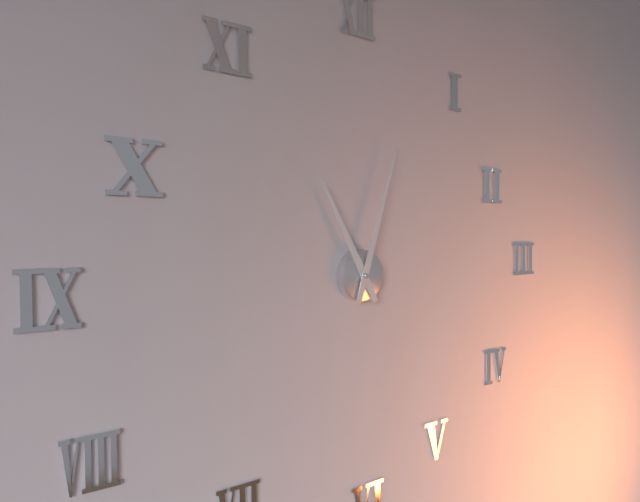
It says 11:03
